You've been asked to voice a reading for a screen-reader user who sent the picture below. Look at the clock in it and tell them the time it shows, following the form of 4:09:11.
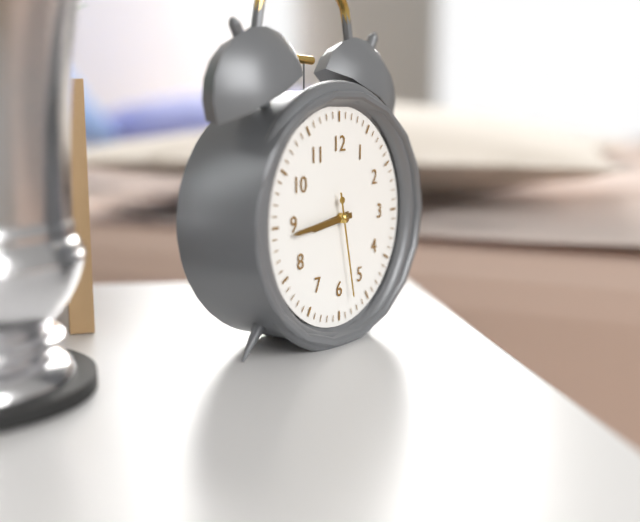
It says 8:44:28
